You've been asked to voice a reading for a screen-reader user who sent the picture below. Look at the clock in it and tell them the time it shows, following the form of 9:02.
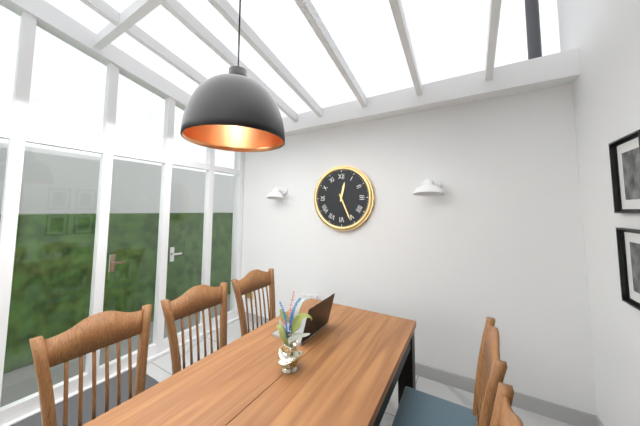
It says 12:26
